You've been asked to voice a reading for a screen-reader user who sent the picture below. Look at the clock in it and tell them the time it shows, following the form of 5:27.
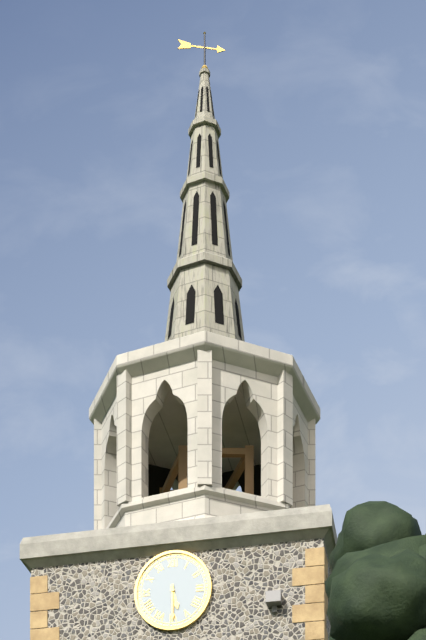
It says 5:30
